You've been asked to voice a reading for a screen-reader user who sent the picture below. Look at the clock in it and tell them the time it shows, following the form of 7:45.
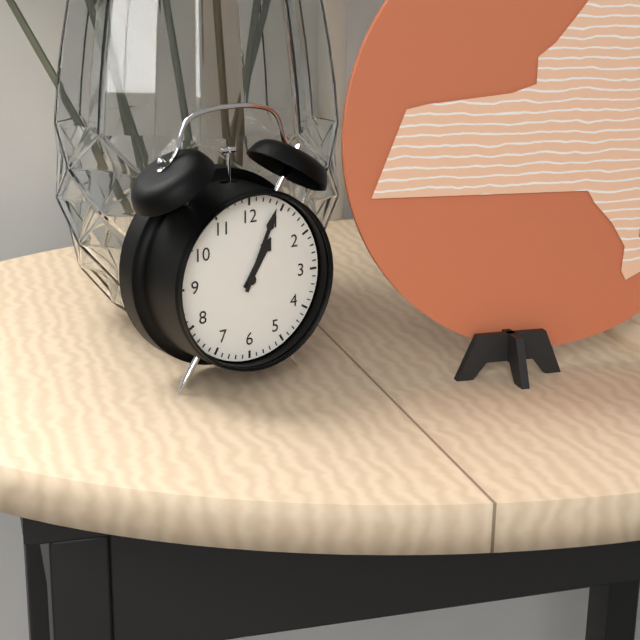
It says 1:04
